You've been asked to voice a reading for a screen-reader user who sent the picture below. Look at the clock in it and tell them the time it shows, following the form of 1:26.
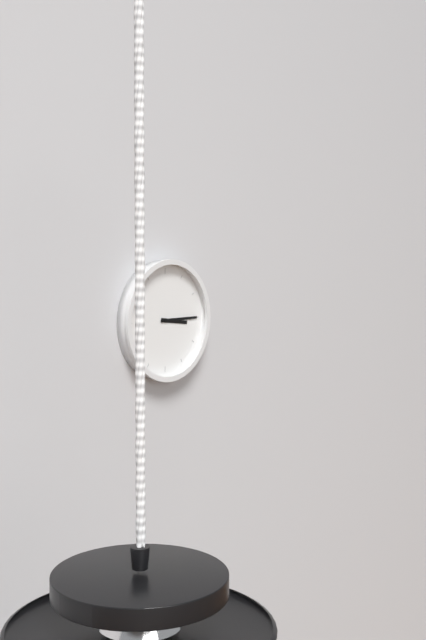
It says 3:15
